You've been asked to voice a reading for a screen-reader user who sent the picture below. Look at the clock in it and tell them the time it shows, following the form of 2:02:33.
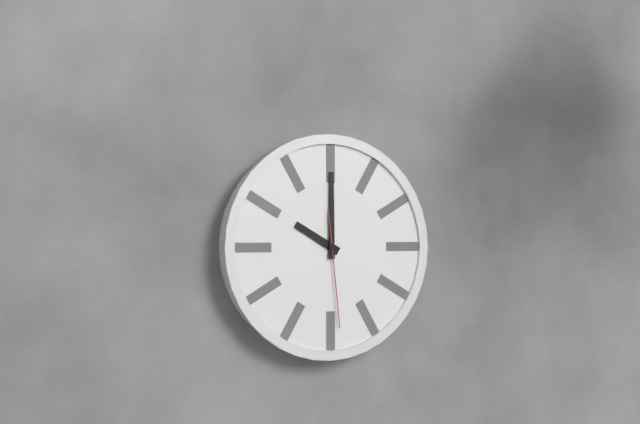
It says 10:00:29
